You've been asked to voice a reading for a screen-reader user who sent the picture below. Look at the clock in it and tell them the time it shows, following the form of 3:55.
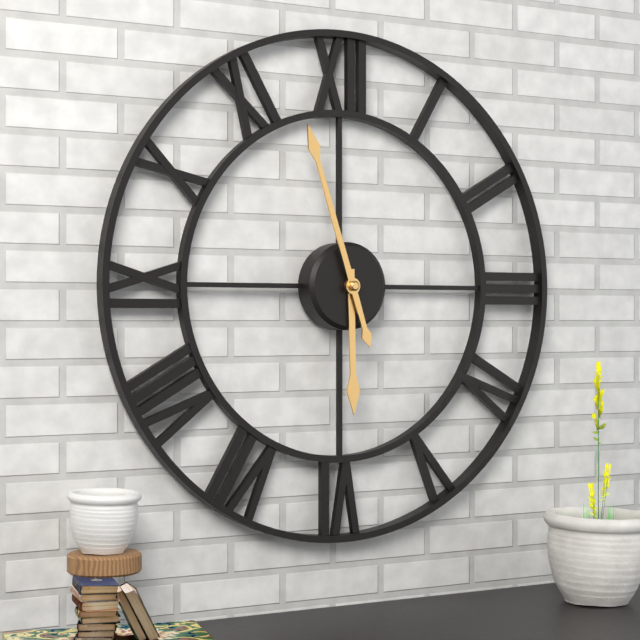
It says 5:57
